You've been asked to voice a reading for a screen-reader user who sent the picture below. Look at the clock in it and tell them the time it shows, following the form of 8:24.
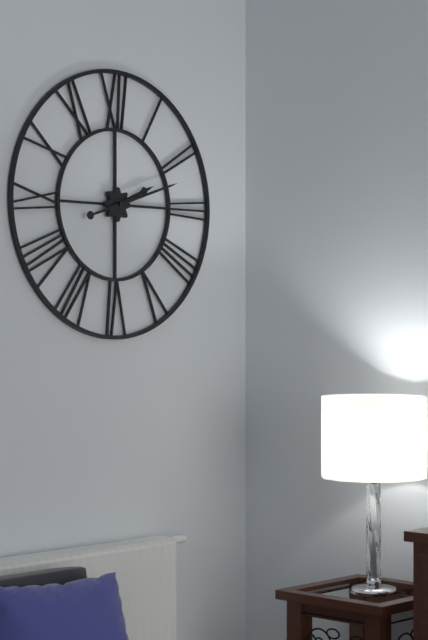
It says 2:12
